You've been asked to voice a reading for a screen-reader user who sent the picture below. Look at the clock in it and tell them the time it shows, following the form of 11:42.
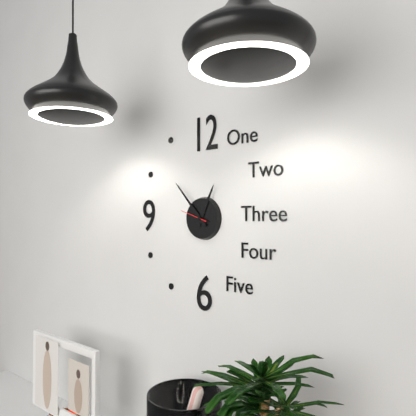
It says 12:53
